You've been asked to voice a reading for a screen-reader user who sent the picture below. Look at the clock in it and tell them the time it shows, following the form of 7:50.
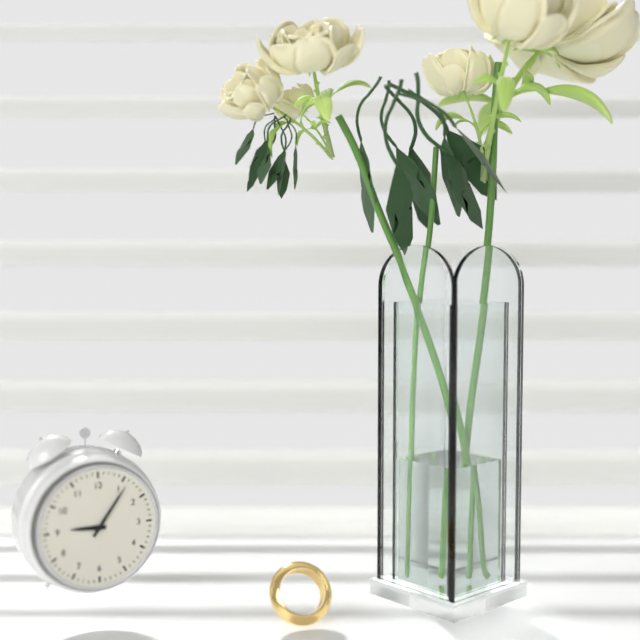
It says 9:06
